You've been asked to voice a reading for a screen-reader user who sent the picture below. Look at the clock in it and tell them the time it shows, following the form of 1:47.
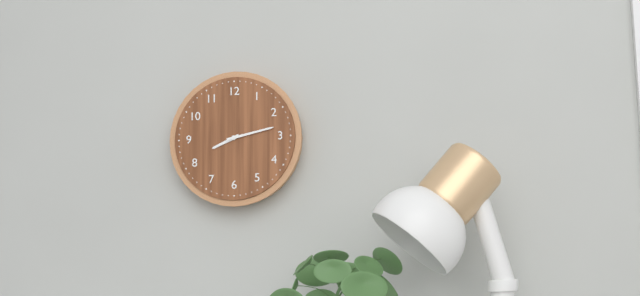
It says 8:13
